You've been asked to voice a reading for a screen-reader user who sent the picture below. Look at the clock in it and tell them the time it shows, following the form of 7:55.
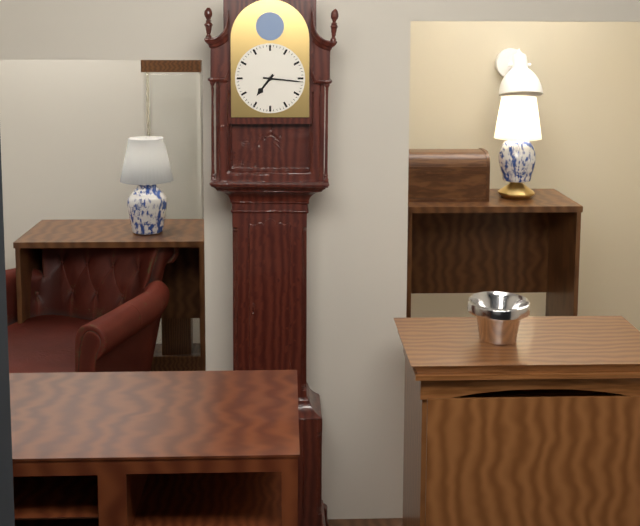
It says 7:16
